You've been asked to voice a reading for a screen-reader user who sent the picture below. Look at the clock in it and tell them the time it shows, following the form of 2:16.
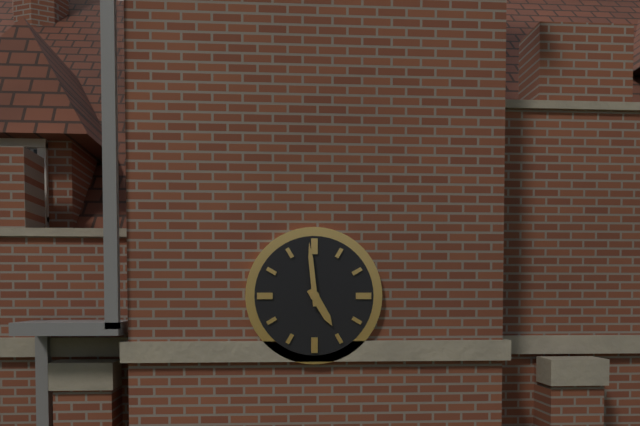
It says 4:59
